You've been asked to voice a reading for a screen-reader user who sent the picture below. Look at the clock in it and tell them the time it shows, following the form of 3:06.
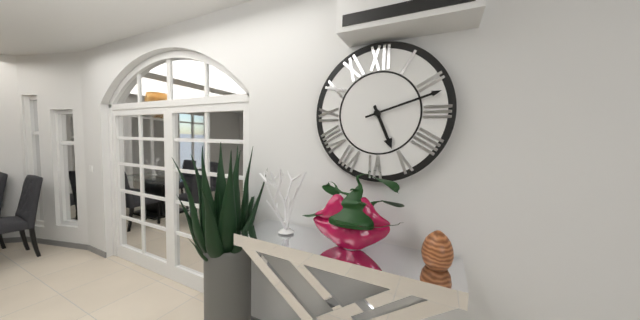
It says 5:12
